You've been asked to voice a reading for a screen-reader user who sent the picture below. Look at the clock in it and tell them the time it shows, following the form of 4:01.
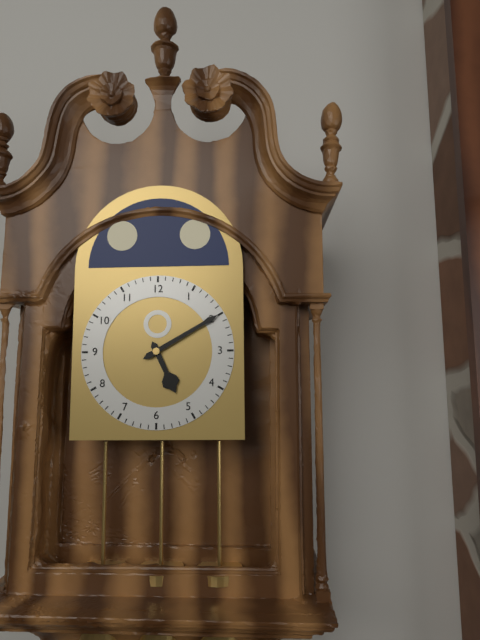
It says 5:10
